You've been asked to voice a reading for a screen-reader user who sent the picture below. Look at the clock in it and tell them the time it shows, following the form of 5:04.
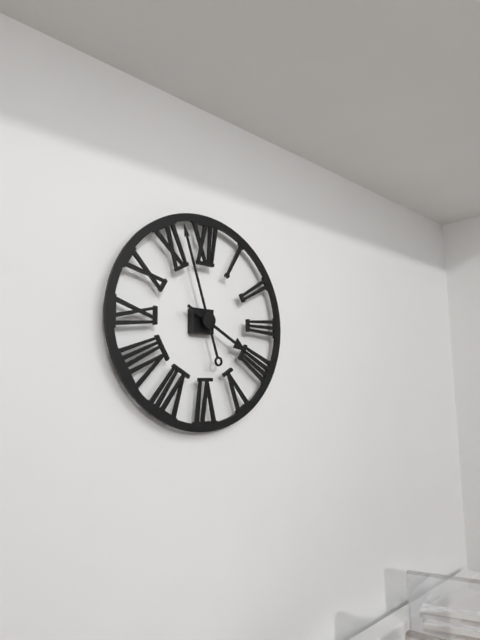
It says 3:57
